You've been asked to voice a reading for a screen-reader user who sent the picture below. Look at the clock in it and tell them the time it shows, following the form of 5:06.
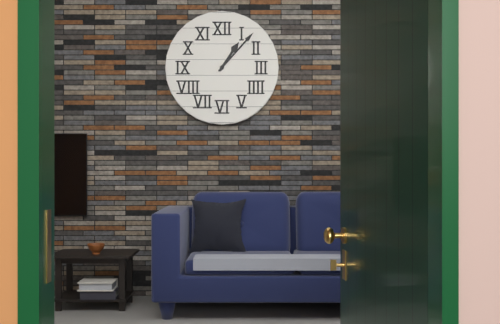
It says 1:07
